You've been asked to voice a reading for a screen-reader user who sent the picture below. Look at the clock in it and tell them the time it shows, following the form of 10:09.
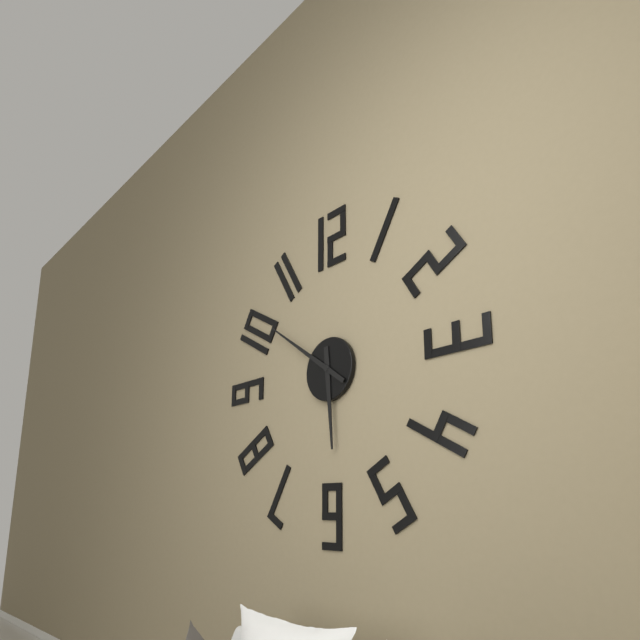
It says 5:51
